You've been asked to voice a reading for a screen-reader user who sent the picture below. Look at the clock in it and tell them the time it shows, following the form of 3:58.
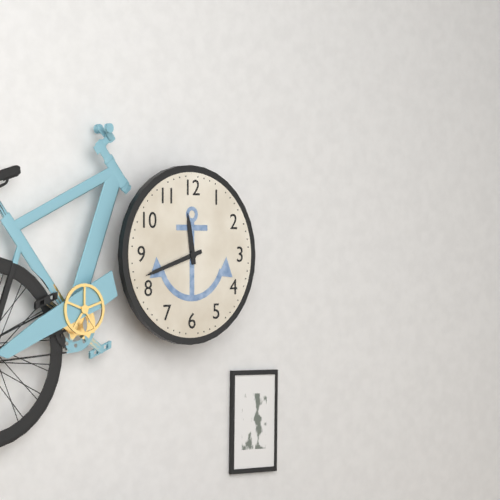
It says 11:42
